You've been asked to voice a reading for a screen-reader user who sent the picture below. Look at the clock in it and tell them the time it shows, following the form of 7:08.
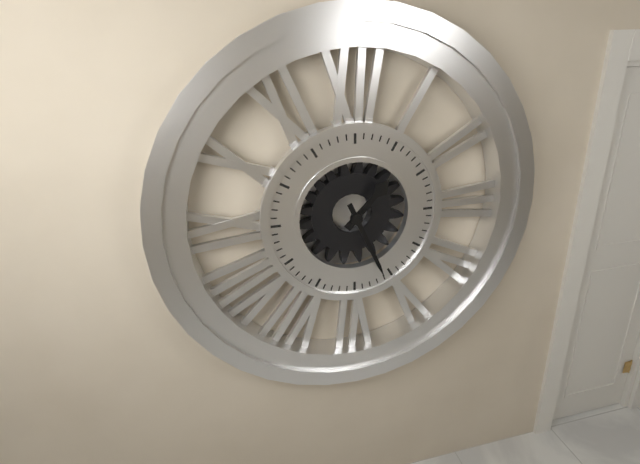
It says 1:26
